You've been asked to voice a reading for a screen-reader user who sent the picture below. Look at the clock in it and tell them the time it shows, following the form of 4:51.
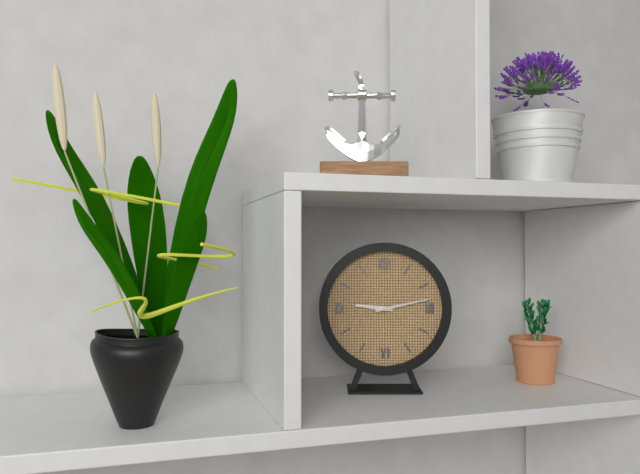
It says 9:13
